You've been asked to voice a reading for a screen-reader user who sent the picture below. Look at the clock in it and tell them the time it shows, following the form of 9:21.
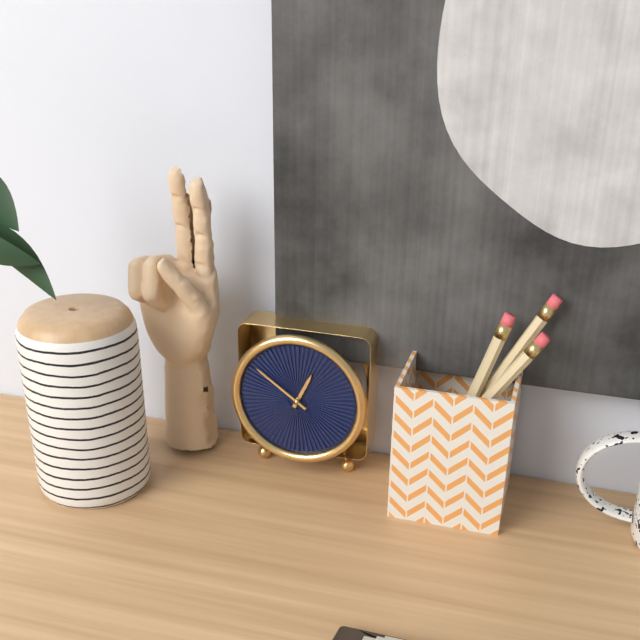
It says 12:51
